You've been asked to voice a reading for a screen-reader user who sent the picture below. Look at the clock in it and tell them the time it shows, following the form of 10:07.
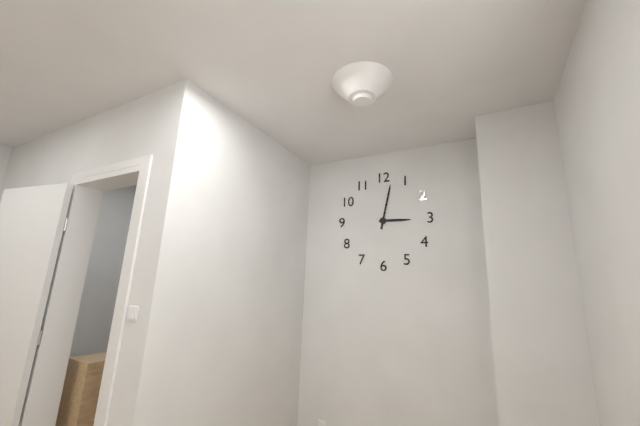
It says 3:02
